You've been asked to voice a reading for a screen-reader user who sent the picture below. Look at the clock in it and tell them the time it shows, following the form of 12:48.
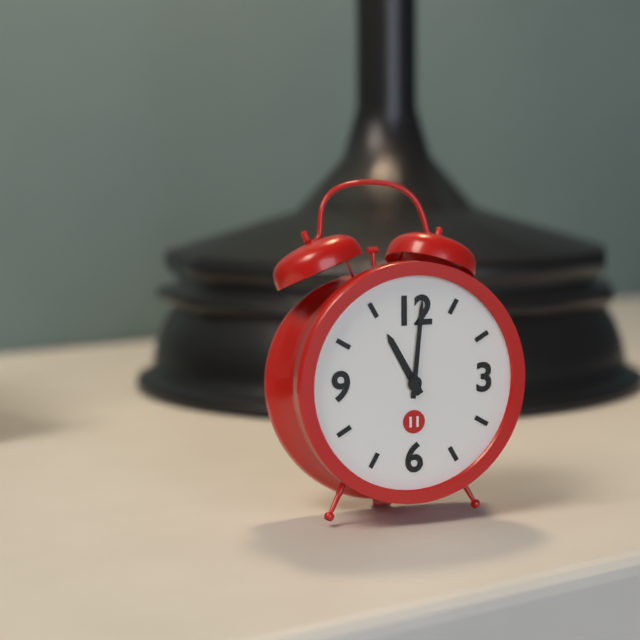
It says 11:01
